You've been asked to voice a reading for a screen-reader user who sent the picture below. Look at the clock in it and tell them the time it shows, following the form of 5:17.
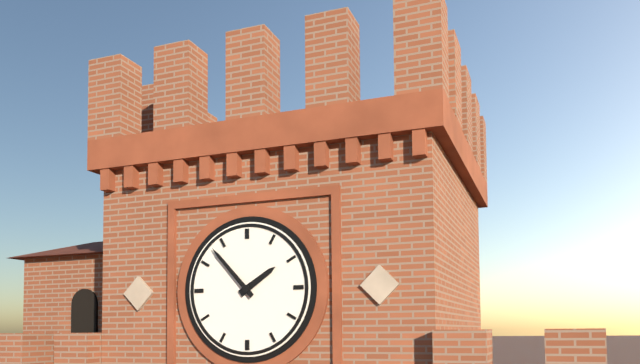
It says 1:53
